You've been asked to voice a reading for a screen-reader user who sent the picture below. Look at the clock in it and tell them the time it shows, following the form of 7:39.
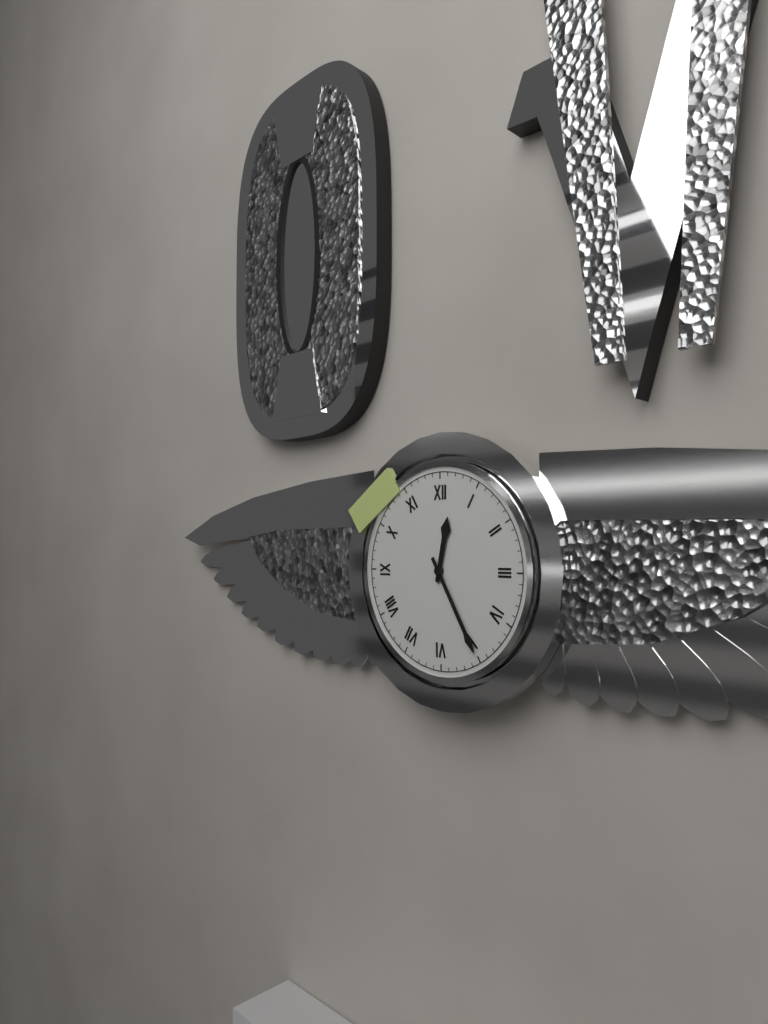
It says 12:25
